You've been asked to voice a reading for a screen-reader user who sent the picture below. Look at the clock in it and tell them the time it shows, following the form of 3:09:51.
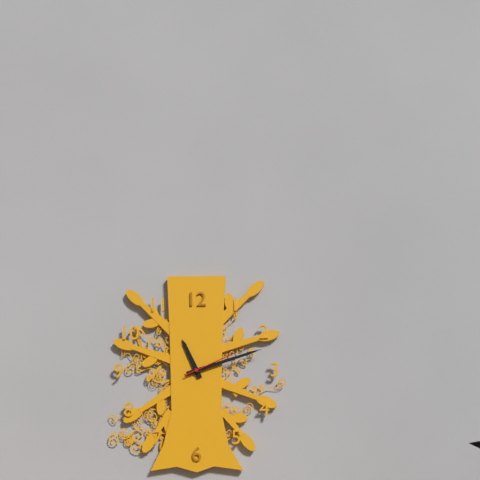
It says 11:12:11
